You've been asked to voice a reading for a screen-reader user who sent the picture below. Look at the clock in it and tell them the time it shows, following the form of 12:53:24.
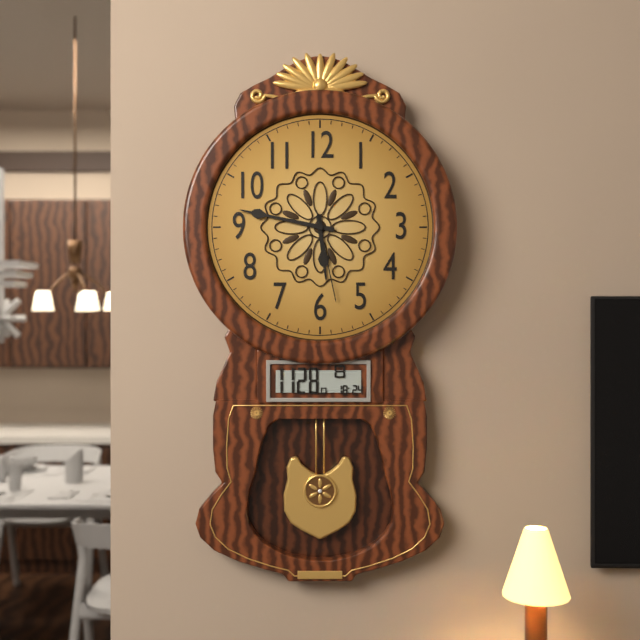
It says 5:47:28
